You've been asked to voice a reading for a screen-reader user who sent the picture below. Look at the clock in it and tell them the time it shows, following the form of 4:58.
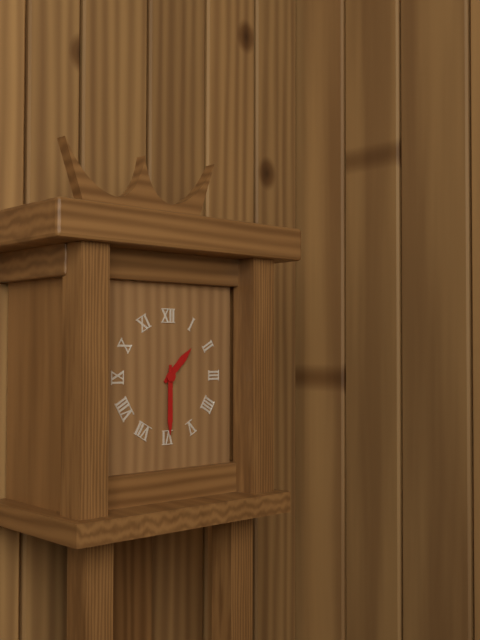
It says 1:30
